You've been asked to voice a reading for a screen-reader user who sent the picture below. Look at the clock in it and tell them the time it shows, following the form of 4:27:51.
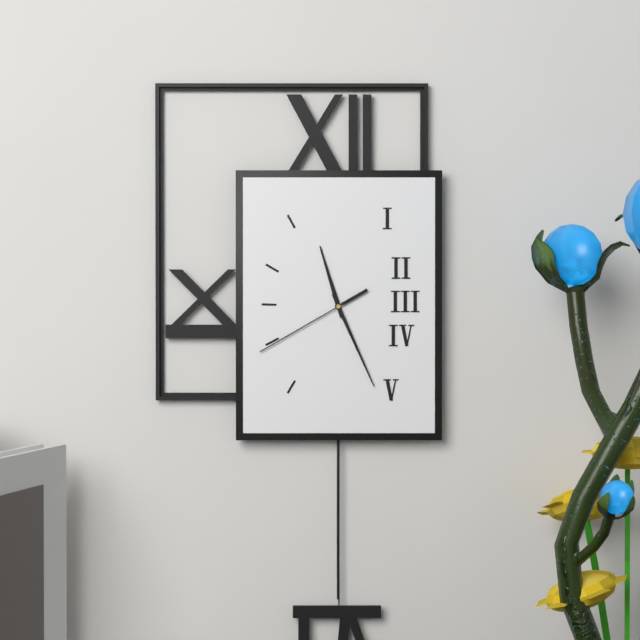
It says 11:26:40
